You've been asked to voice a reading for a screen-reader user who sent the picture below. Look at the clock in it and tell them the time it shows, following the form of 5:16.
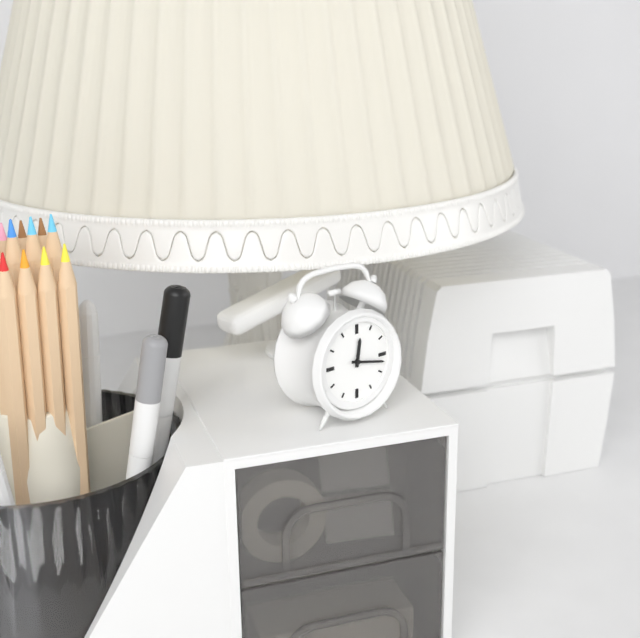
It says 12:17
